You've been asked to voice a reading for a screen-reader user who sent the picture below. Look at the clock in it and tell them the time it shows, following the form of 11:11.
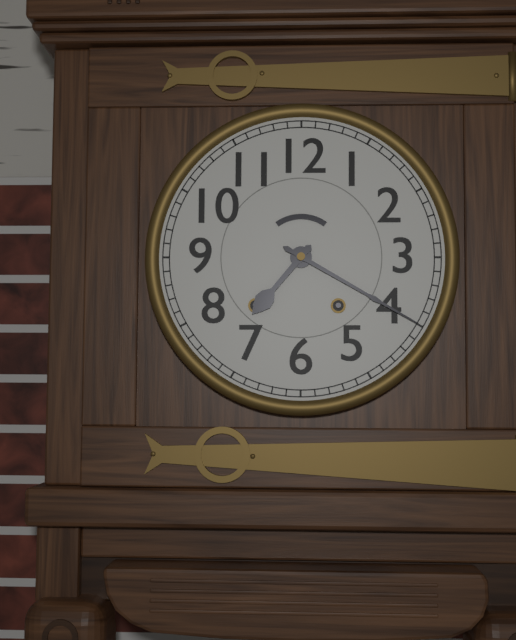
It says 7:20
